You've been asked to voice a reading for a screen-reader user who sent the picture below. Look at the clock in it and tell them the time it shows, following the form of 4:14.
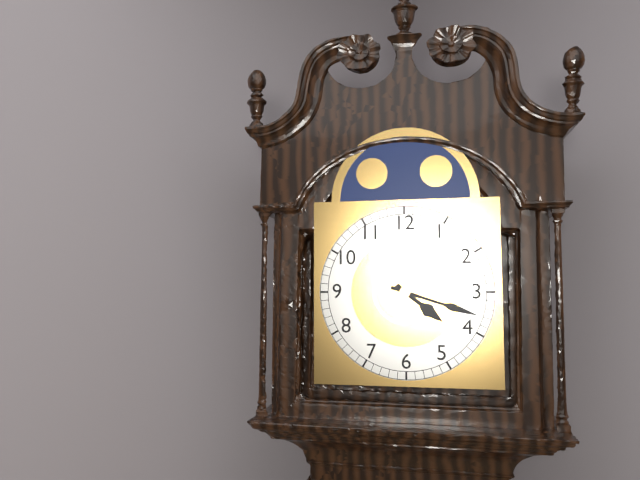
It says 4:18
